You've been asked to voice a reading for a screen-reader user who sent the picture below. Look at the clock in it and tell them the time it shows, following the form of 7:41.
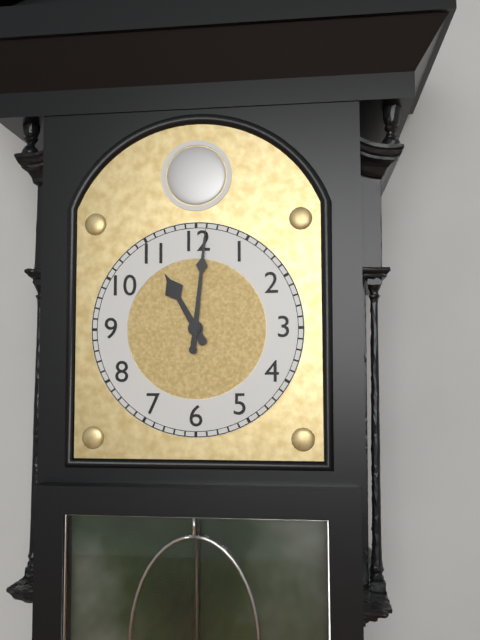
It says 11:01
